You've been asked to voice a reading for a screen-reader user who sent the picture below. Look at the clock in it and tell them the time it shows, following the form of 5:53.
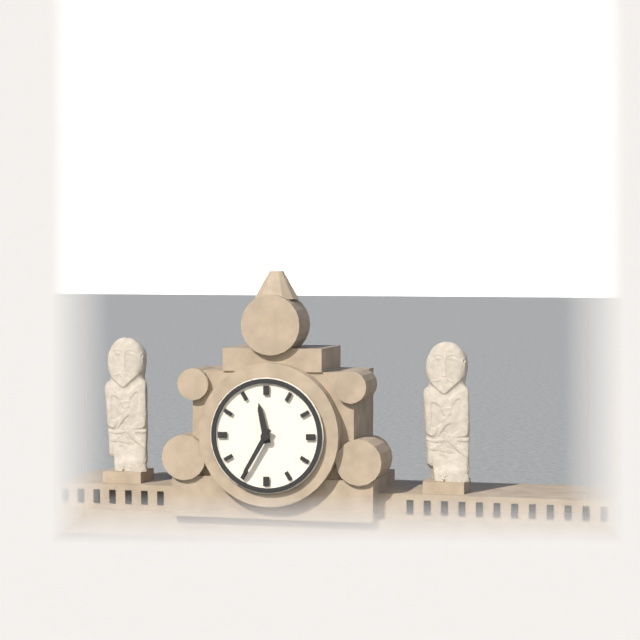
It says 11:35
